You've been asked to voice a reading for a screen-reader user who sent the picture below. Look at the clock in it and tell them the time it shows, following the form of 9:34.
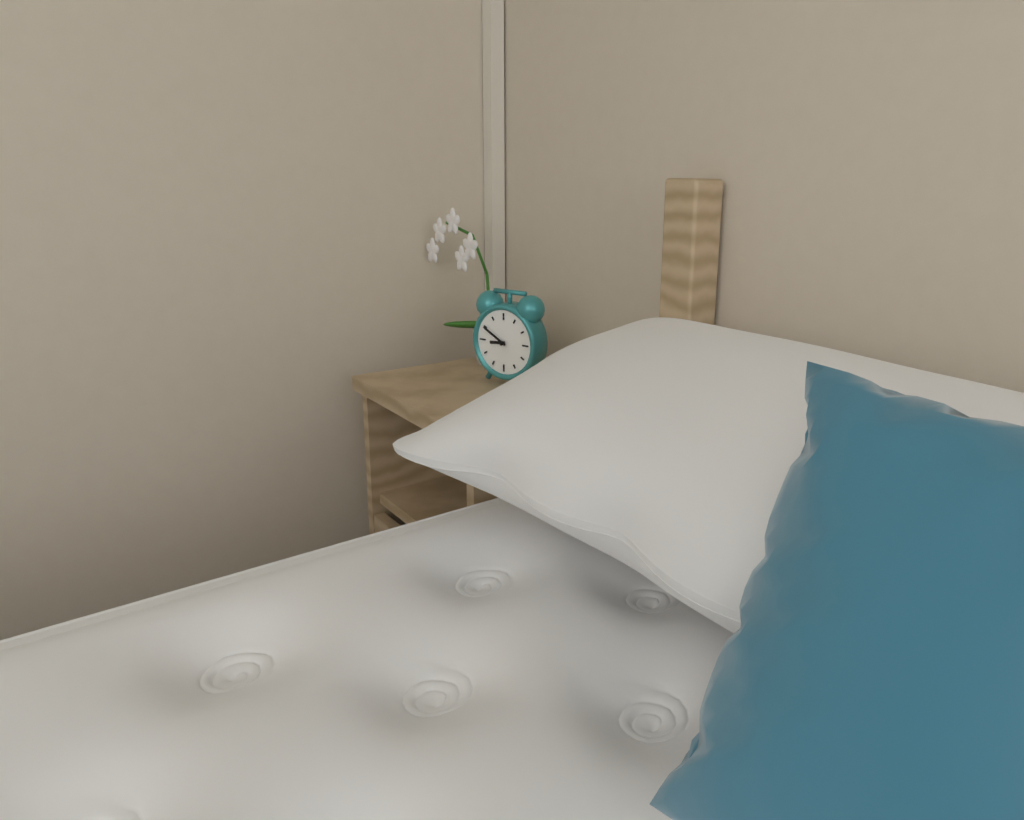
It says 8:50
